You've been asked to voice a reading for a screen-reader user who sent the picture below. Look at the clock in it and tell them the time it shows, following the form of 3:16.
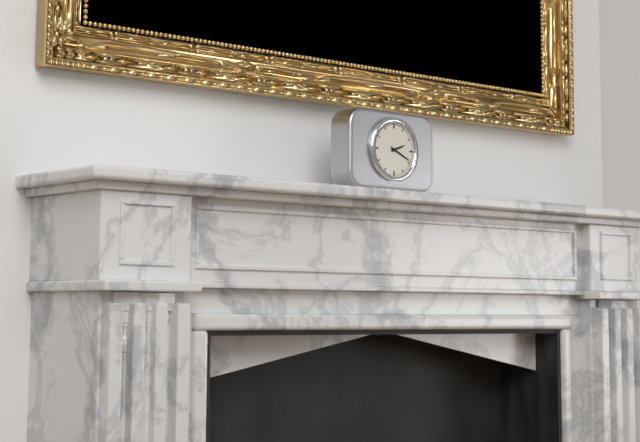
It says 2:19
